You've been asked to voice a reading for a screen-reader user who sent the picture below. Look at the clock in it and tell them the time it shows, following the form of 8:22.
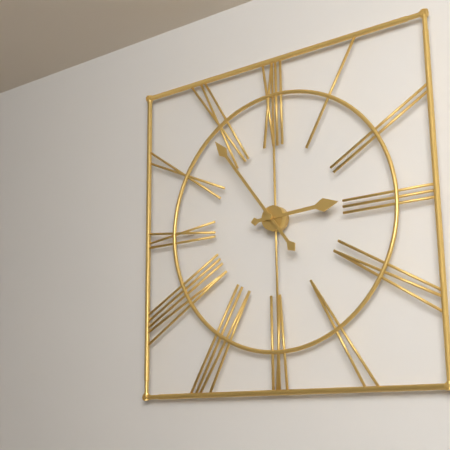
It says 2:54
